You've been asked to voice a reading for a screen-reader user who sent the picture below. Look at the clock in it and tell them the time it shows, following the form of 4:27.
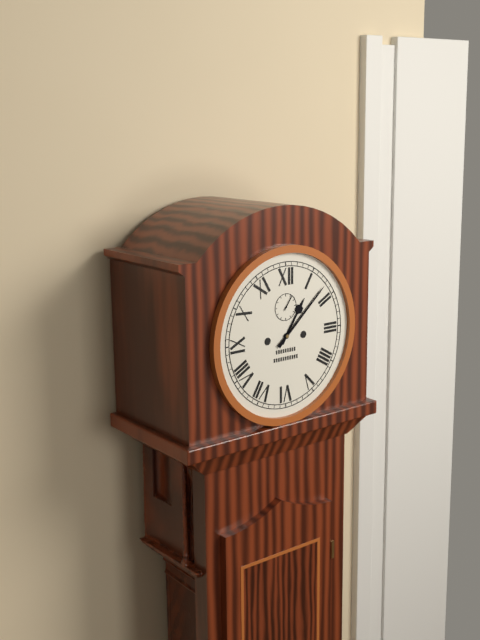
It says 1:08
